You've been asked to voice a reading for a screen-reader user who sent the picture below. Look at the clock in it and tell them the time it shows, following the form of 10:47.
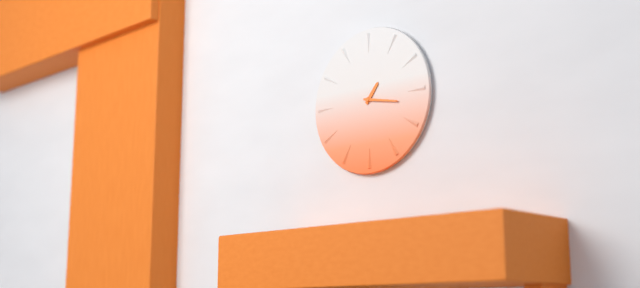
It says 1:17
